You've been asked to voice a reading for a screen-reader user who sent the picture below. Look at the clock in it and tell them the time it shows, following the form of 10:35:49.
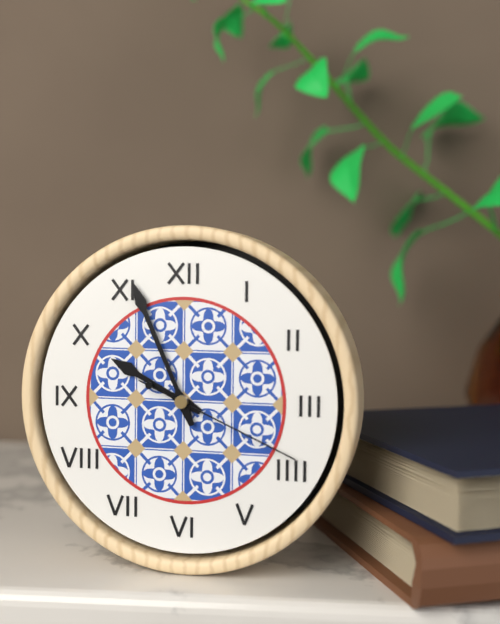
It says 9:56:19
